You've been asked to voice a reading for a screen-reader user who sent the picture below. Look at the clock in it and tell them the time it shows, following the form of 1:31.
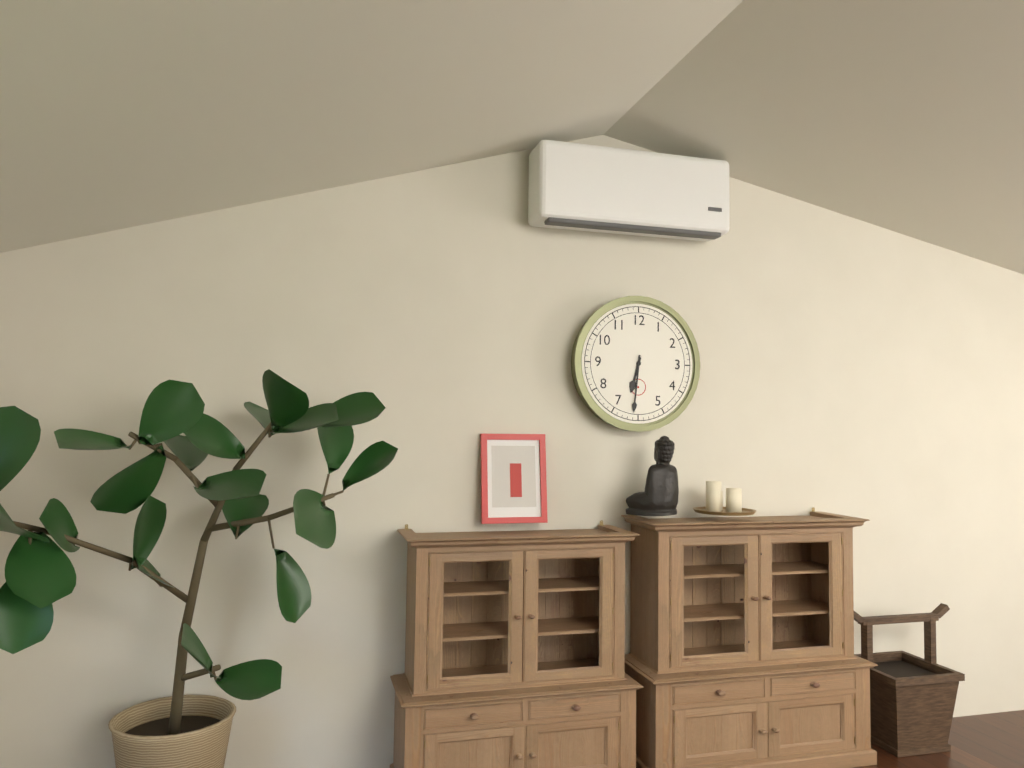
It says 6:31
